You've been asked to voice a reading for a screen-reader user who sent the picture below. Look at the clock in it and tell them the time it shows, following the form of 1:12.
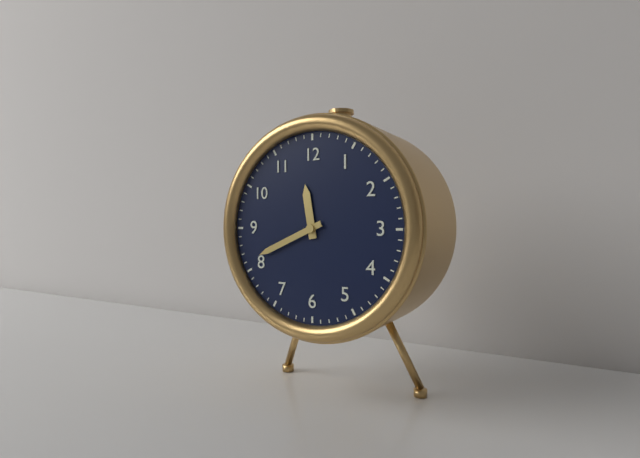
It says 11:41
